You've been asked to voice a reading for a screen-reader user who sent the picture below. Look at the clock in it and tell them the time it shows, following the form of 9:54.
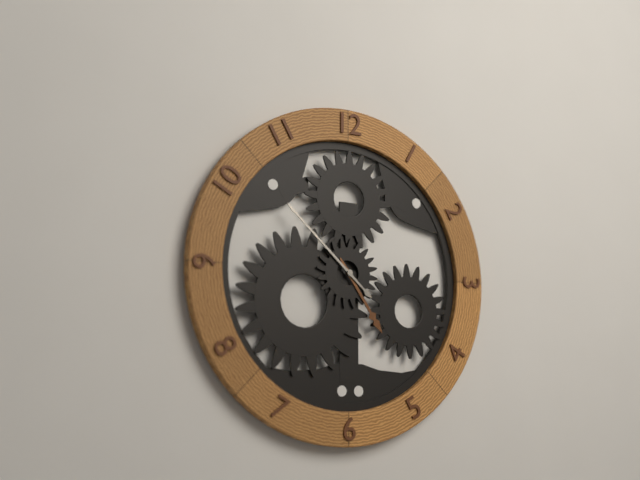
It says 4:52
